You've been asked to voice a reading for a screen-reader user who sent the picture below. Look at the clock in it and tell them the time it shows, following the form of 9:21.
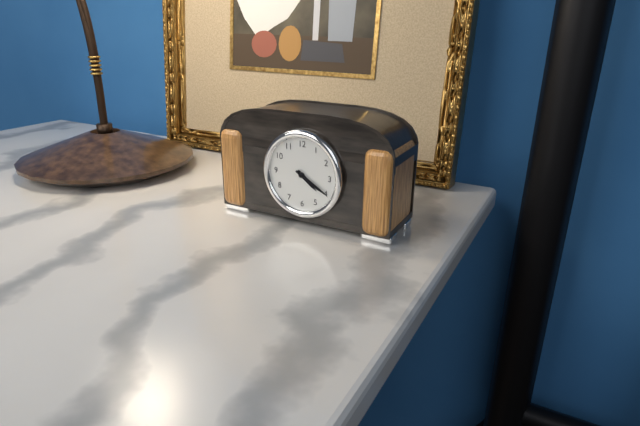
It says 4:20
